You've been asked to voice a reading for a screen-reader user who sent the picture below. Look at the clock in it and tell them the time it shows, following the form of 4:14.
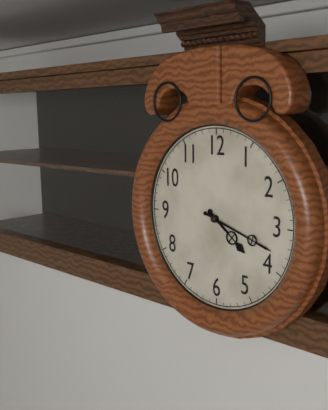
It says 4:18
